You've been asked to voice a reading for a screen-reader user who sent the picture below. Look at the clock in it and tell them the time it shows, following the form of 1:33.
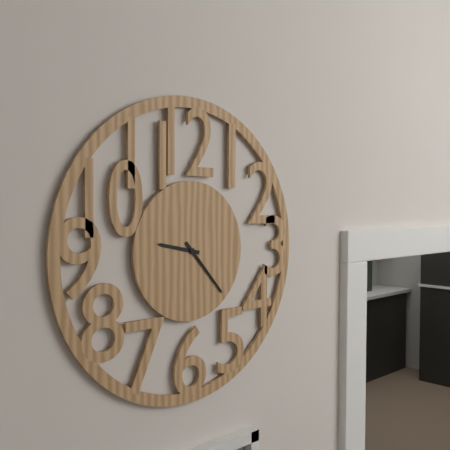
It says 9:23
